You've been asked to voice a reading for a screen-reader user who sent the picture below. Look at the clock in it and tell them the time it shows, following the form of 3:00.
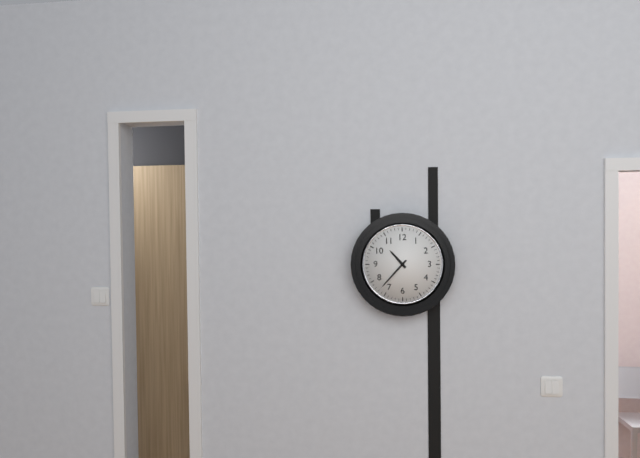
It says 10:37
